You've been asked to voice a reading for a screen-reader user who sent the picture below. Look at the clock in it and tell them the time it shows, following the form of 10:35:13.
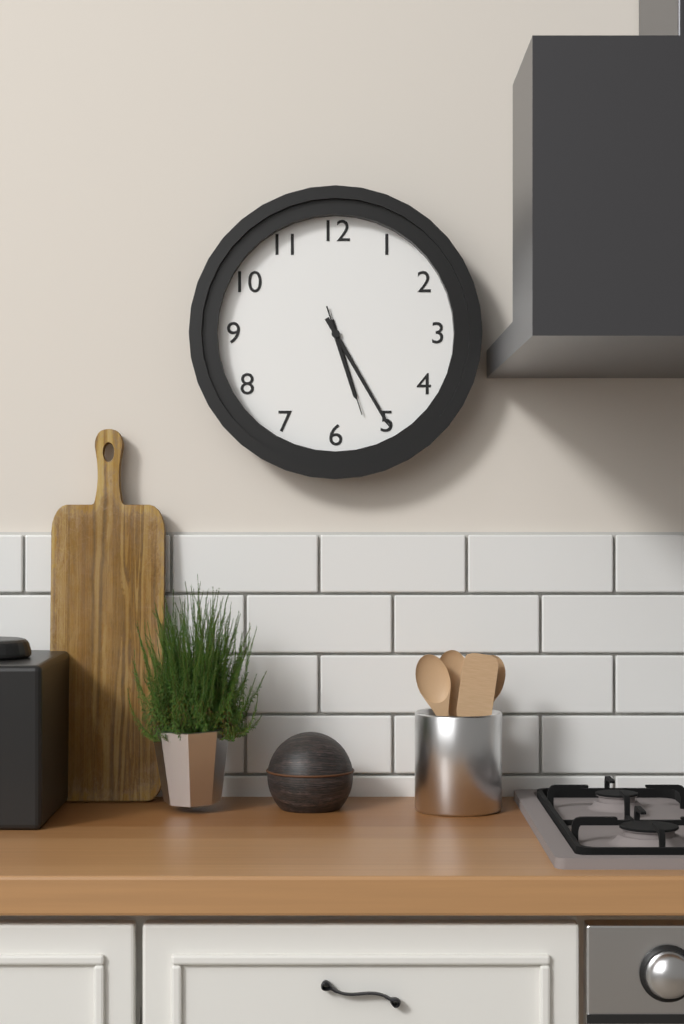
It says 5:25:27
